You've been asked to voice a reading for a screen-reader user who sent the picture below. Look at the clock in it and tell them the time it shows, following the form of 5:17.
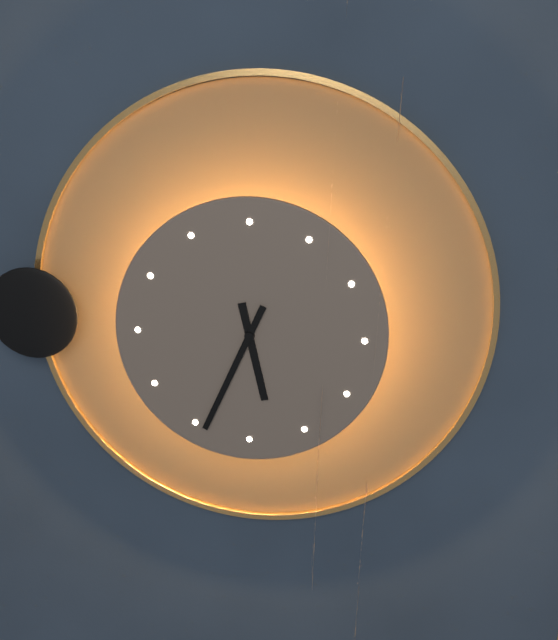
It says 5:34
